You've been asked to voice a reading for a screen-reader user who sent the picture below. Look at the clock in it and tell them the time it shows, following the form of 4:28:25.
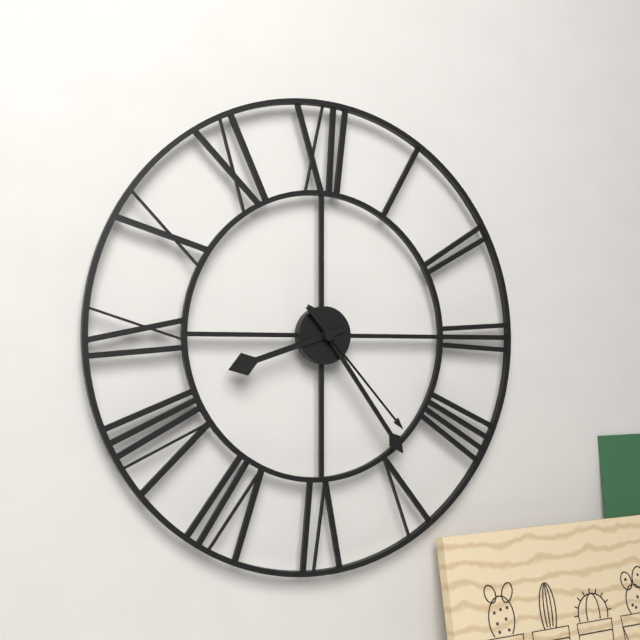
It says 8:24:23
